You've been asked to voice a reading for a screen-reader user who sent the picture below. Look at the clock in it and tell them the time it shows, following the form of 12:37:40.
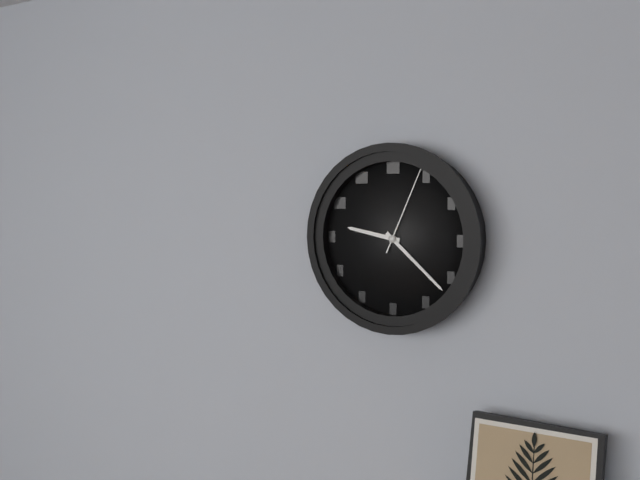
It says 9:22:04
